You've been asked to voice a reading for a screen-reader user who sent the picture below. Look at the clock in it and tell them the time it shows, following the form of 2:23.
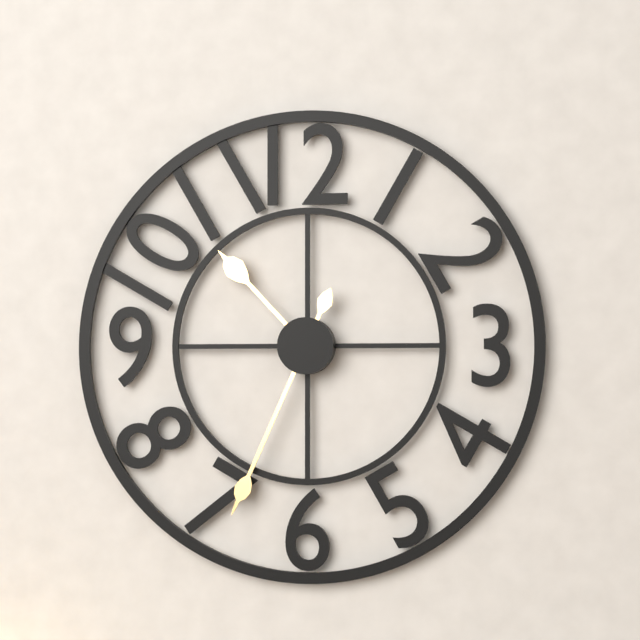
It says 10:34
